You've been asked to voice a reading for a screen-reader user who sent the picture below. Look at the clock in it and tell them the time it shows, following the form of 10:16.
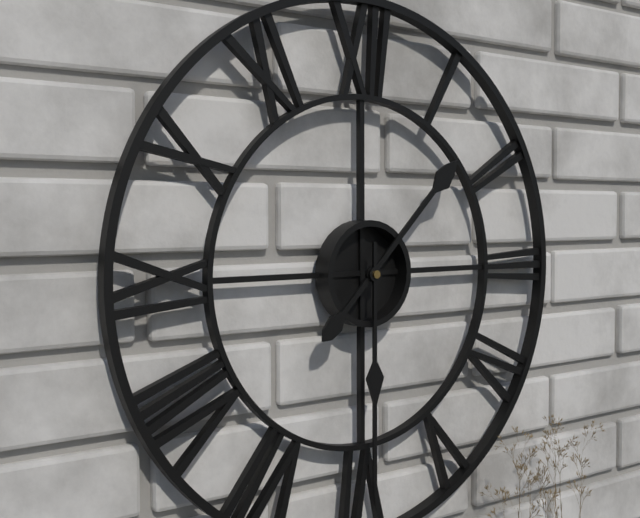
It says 1:30
